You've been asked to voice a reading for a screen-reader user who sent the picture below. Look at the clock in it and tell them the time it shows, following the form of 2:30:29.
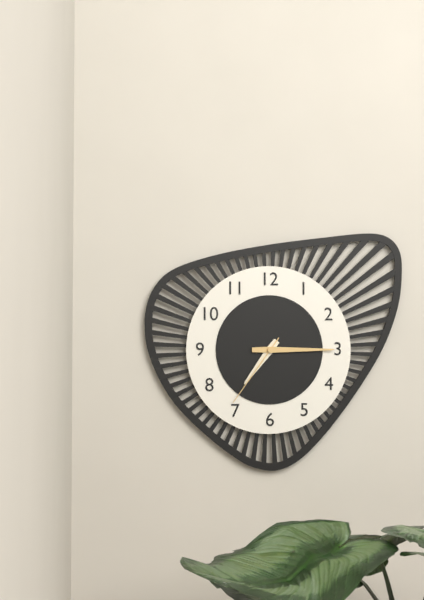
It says 7:15:36
